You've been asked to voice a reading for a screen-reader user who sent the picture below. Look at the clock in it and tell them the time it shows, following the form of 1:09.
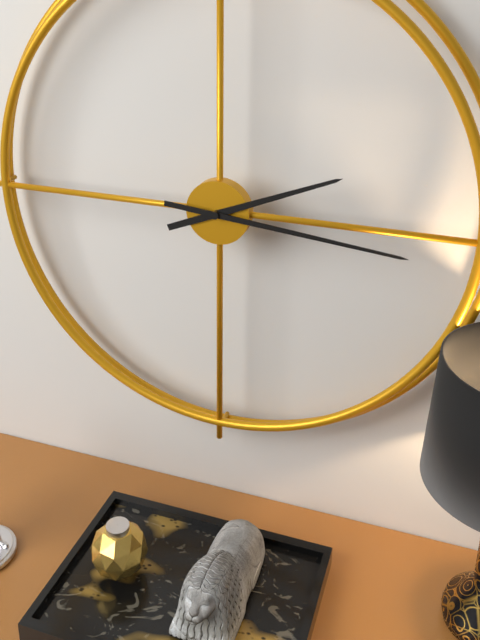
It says 2:16
